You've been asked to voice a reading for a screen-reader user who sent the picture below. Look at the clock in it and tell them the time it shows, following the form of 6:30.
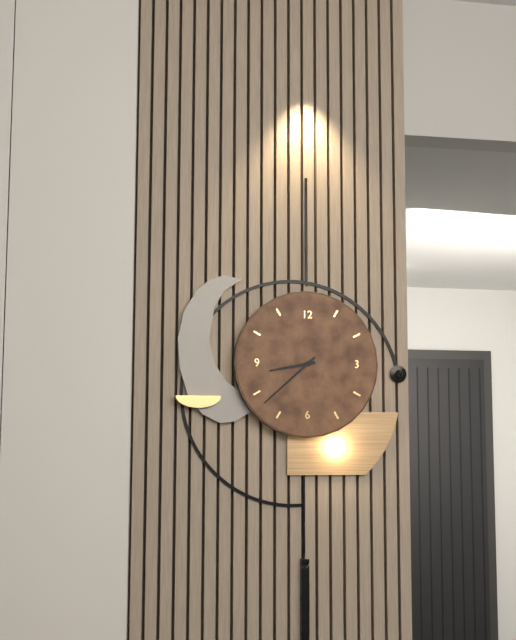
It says 8:38
